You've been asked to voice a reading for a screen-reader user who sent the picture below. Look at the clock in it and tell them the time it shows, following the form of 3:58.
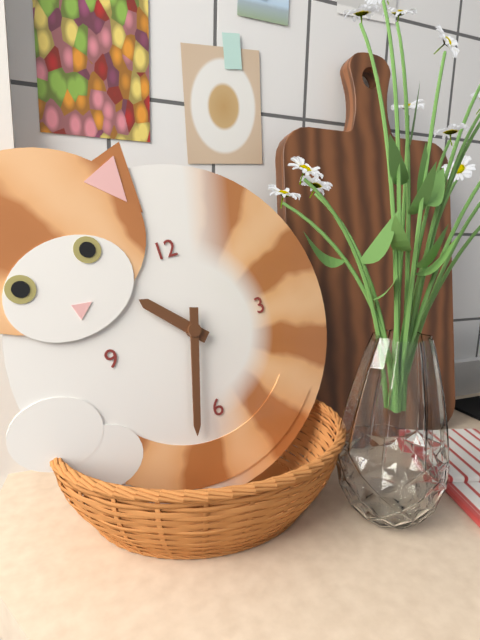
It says 10:33
